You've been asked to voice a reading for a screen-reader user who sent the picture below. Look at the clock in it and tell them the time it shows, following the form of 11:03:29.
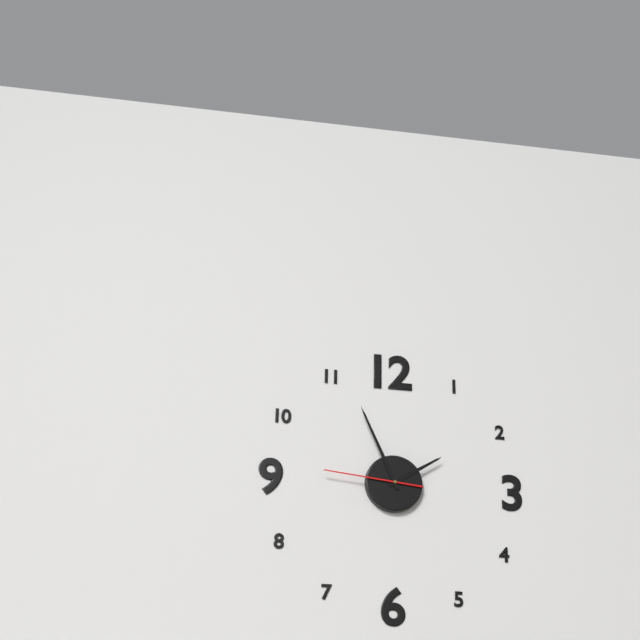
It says 1:56:46
